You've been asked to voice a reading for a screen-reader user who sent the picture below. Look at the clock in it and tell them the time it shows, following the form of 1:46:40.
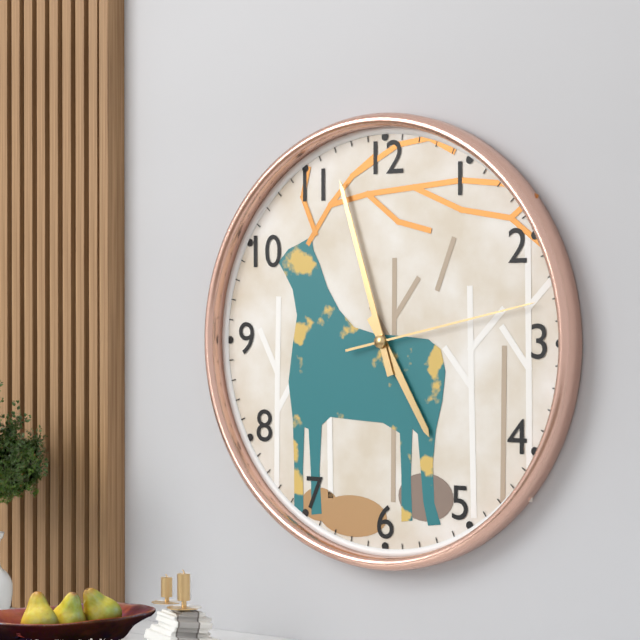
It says 4:57:13
